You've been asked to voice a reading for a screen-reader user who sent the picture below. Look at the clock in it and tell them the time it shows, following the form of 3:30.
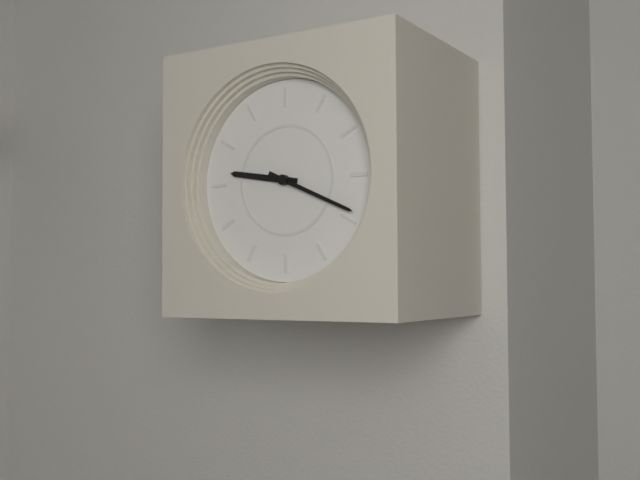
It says 9:19
